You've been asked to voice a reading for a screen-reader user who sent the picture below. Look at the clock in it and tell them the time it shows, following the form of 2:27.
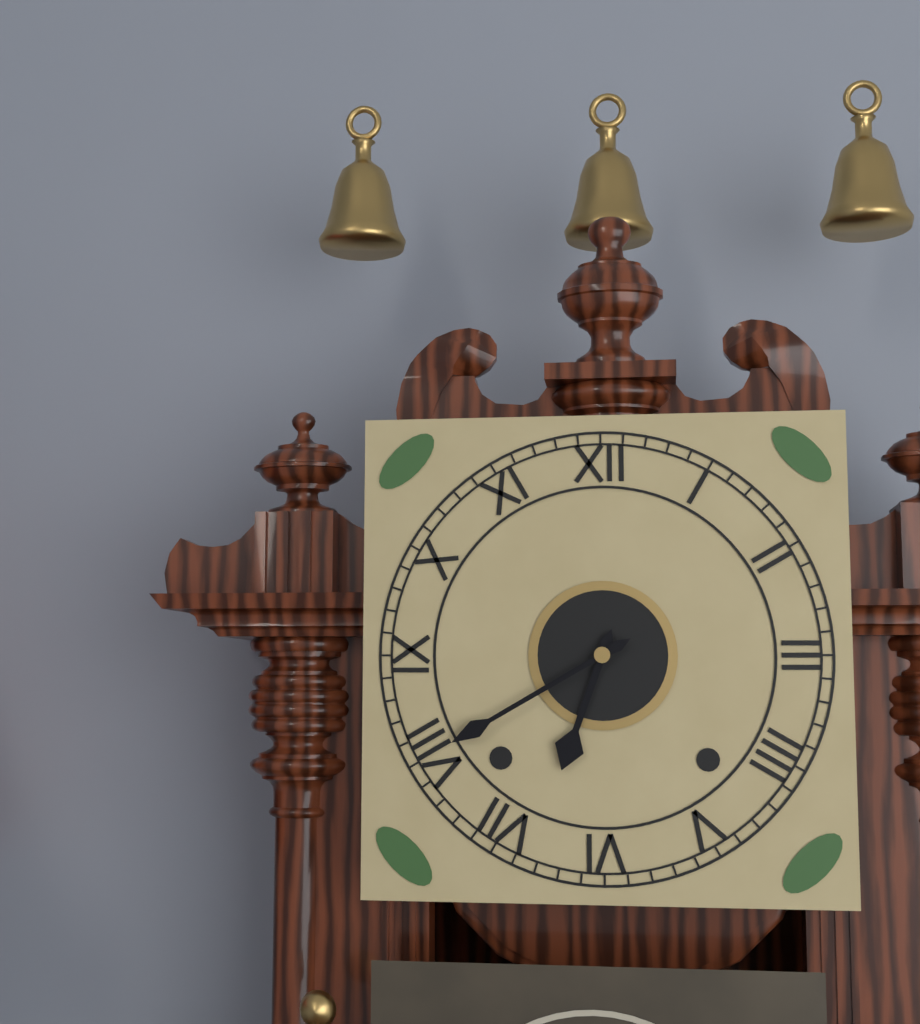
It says 6:40
